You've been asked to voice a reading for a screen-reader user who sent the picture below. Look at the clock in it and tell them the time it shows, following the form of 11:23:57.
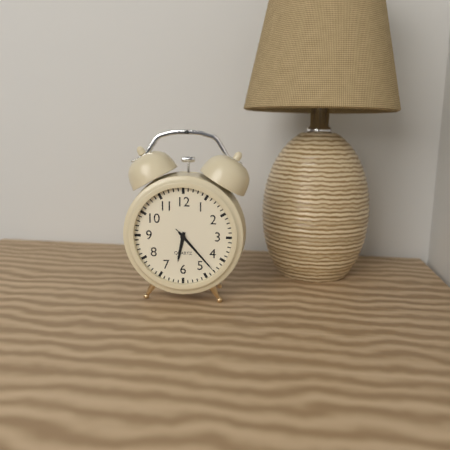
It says 6:23:23
